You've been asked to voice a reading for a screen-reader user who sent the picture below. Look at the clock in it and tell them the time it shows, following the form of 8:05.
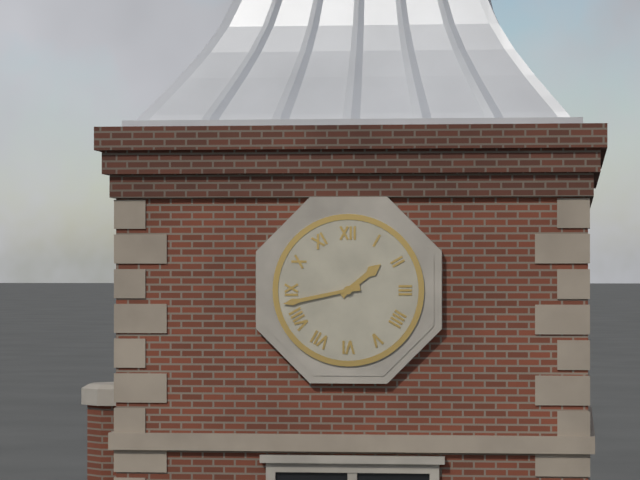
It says 1:43
